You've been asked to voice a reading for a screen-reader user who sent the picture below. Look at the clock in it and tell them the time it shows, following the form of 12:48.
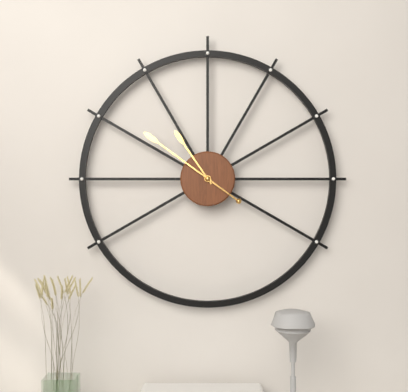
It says 10:51
